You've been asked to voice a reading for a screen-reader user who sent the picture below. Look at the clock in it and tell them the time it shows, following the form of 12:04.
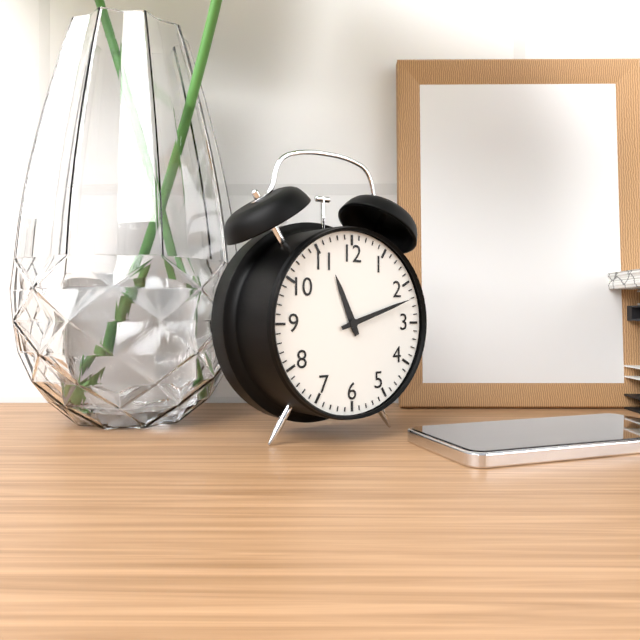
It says 11:12
